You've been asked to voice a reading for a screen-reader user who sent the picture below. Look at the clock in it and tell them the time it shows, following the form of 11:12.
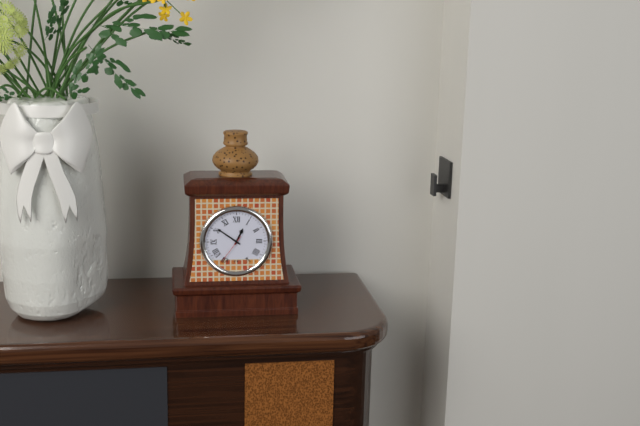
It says 12:51
